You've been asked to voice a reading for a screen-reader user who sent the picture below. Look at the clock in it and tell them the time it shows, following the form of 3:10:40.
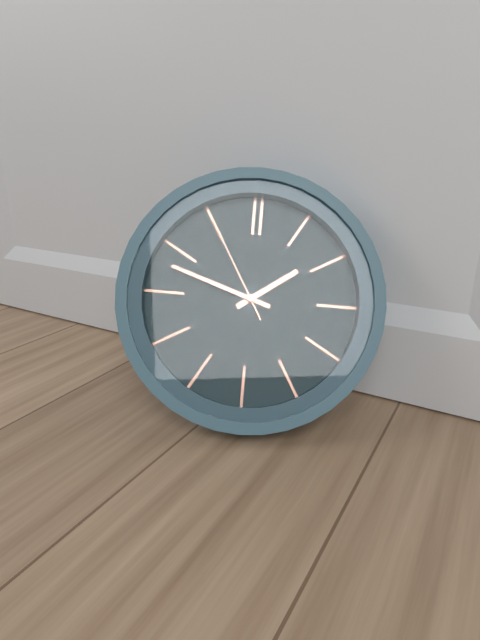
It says 1:48:55
